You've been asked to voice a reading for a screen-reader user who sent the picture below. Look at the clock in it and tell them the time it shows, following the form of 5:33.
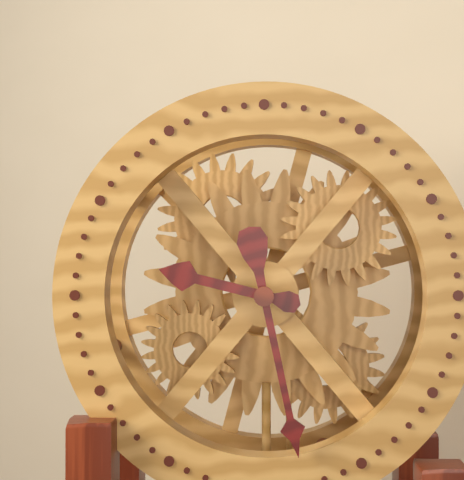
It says 9:28
